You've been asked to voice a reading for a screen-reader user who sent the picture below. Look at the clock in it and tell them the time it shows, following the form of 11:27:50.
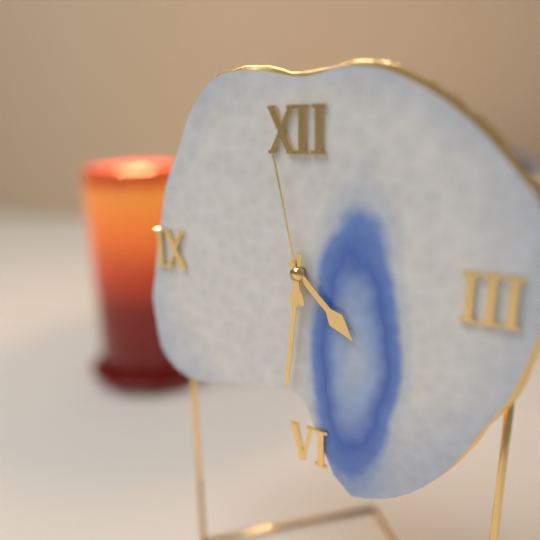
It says 4:31:58
